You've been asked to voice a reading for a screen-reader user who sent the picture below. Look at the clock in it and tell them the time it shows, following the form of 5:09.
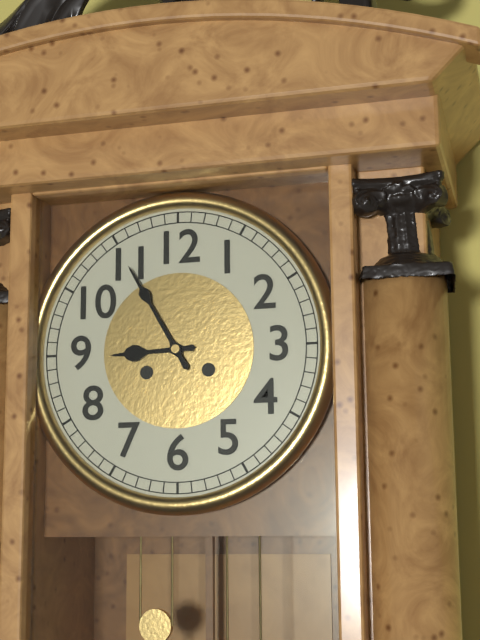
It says 8:55
